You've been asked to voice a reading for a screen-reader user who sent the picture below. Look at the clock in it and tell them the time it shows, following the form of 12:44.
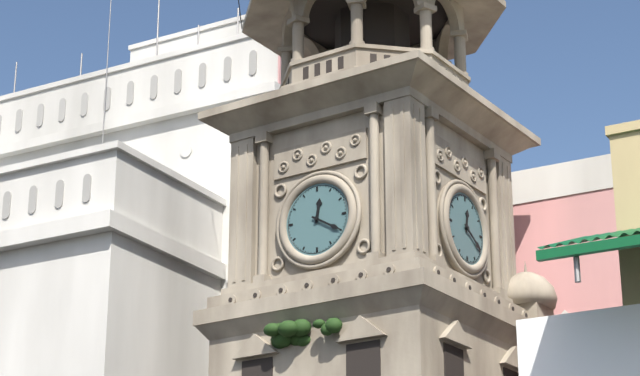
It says 12:20
